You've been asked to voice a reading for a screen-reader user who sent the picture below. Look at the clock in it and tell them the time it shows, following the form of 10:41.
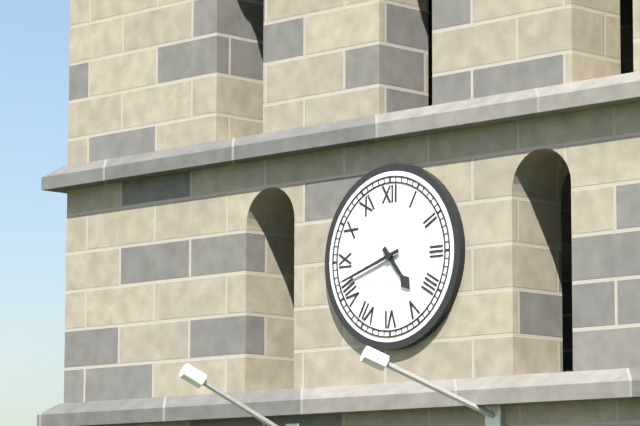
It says 4:42
